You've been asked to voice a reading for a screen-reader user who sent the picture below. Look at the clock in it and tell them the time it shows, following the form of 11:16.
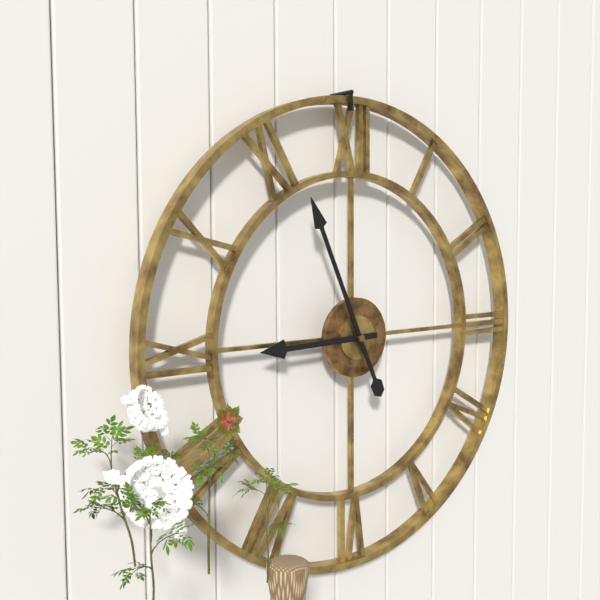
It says 8:56
